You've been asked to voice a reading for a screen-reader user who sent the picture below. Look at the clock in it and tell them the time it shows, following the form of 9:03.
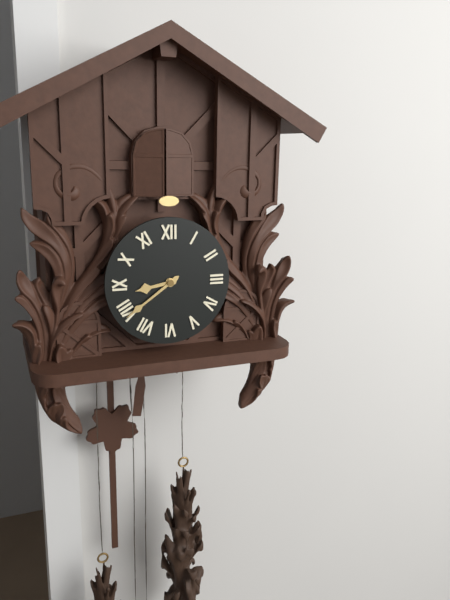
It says 8:39
